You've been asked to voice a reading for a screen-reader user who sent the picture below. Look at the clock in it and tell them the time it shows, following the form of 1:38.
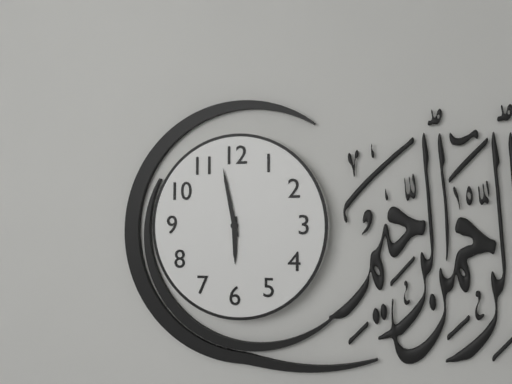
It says 5:58
